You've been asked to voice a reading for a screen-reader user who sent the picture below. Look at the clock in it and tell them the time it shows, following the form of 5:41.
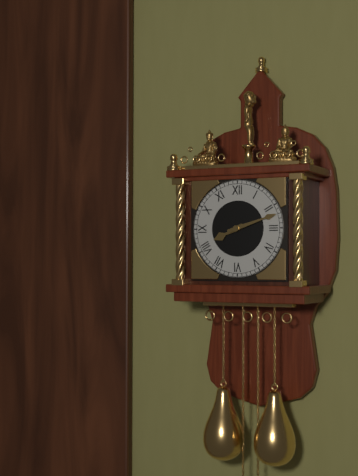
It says 8:12
